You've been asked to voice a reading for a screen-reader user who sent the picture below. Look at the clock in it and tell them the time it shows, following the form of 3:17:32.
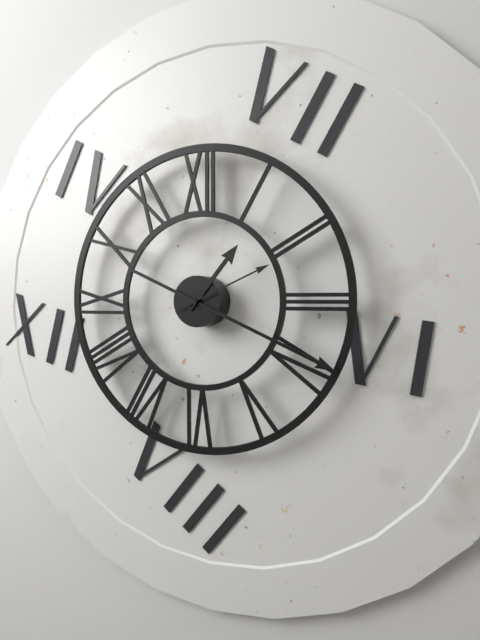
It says 1:19:11
